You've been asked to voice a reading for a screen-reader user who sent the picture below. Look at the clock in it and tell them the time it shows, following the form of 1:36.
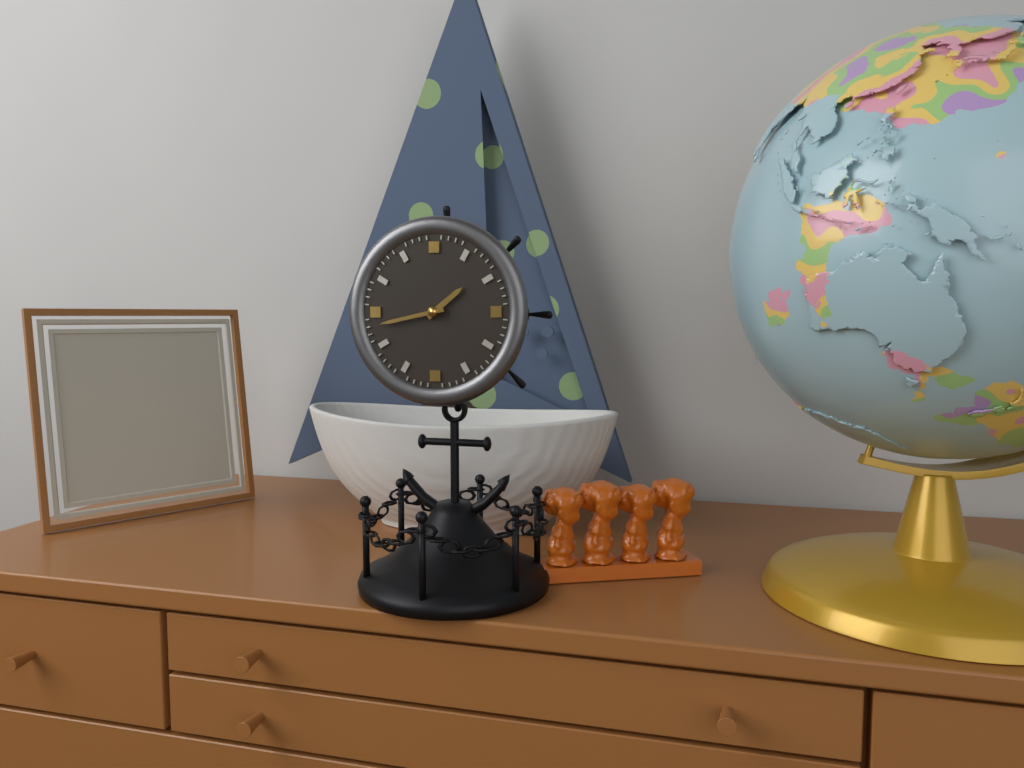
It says 1:43
